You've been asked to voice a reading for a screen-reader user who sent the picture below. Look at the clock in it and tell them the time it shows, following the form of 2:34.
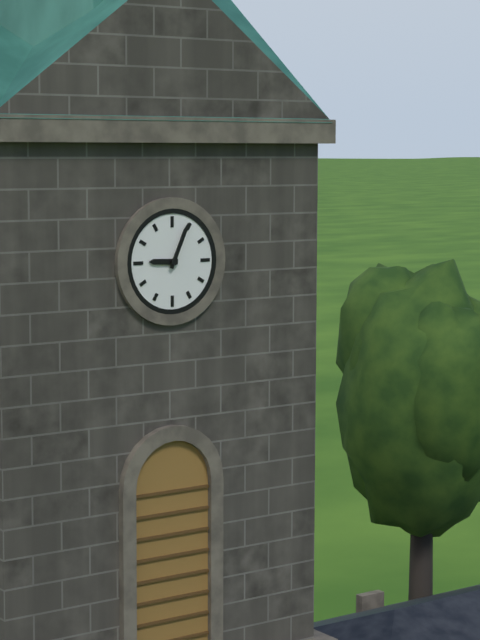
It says 9:04
